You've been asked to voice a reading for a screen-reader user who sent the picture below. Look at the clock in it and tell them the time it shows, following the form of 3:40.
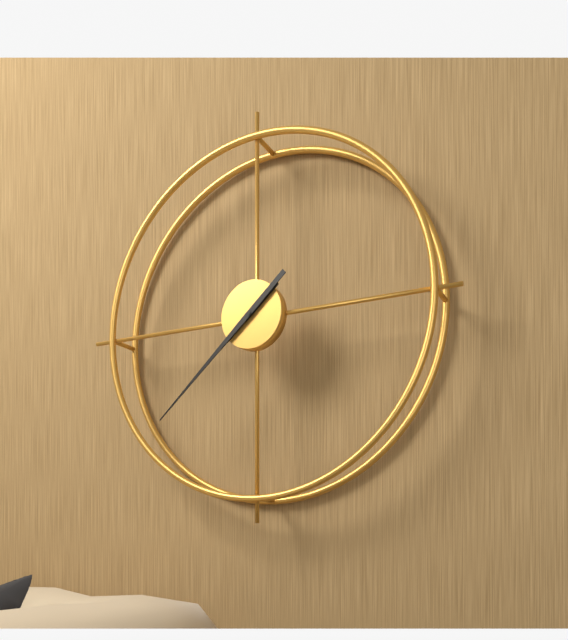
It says 7:38
